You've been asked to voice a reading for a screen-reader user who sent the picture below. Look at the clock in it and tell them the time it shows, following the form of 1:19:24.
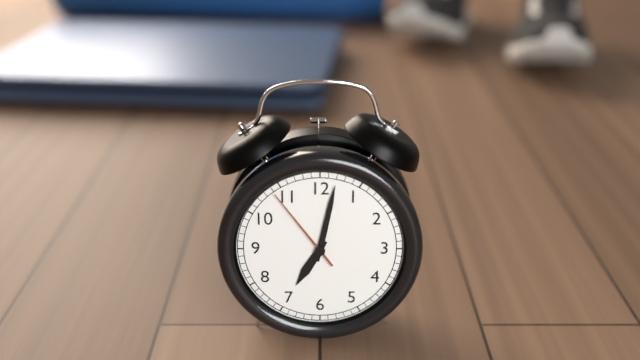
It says 7:02:54
